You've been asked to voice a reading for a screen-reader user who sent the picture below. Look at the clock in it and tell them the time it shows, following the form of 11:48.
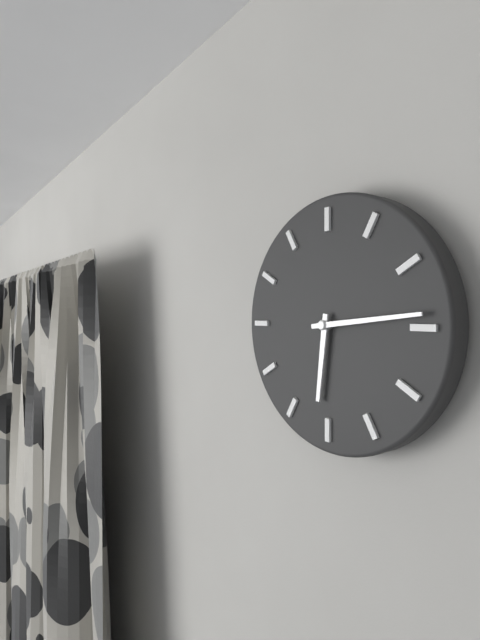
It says 6:14
